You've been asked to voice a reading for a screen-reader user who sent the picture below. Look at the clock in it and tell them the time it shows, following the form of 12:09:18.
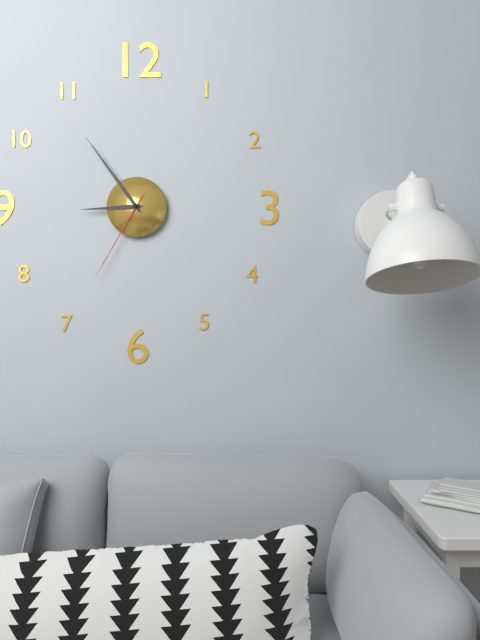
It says 8:54:35
